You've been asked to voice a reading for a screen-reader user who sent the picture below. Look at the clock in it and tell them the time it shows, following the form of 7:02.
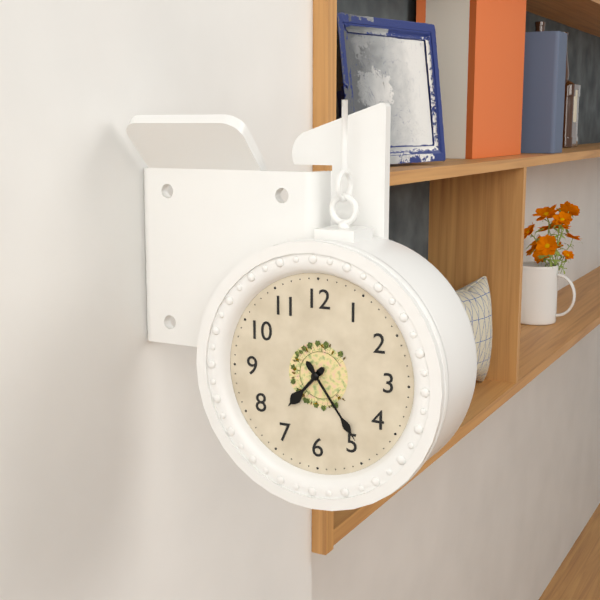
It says 7:24
